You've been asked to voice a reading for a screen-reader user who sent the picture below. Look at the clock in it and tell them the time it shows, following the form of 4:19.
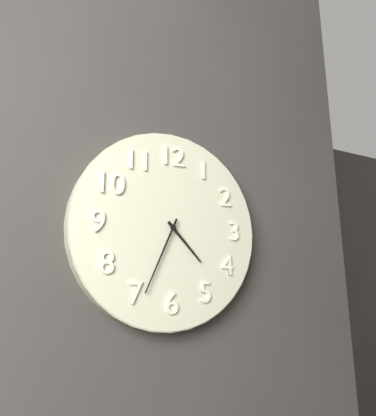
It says 4:34
